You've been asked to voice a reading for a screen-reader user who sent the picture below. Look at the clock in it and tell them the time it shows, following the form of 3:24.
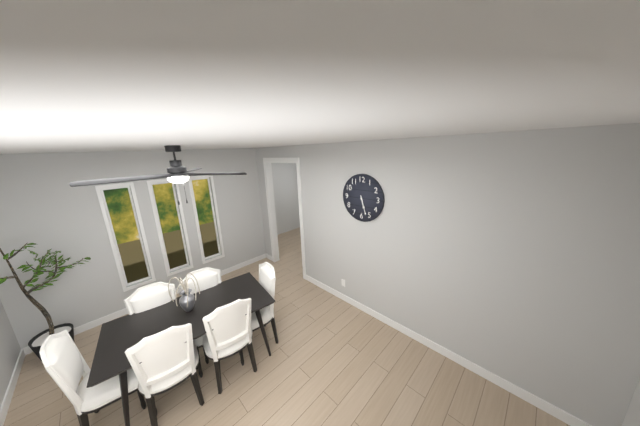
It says 5:27
